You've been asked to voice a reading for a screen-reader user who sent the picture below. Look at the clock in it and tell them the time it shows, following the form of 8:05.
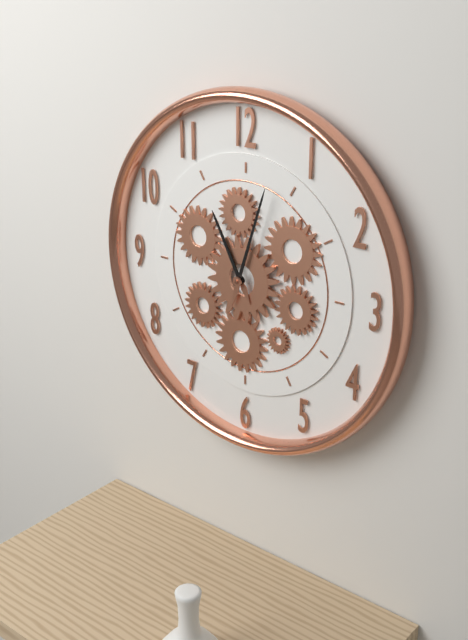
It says 11:03
